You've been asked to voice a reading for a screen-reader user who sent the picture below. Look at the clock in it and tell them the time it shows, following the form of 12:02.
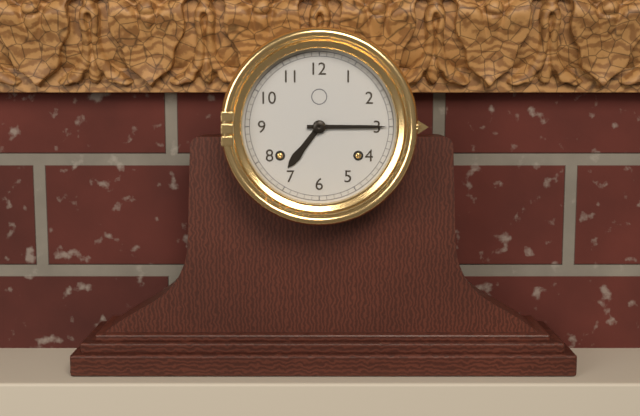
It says 7:15
